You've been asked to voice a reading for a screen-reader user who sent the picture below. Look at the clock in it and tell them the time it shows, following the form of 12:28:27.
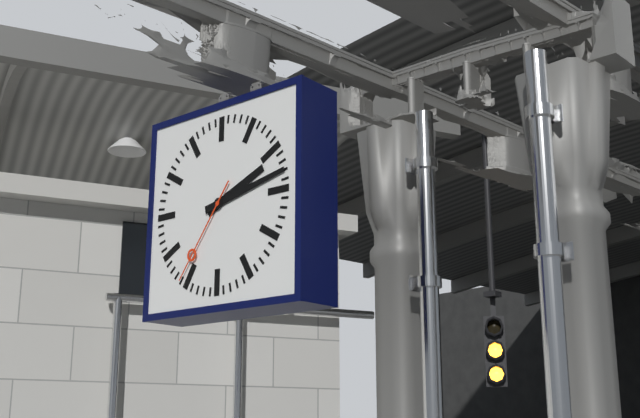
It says 2:13:36
